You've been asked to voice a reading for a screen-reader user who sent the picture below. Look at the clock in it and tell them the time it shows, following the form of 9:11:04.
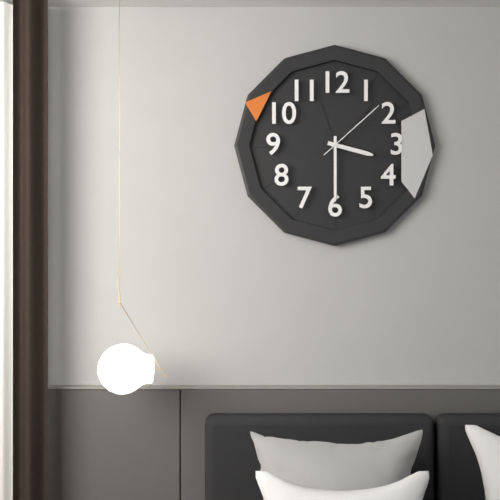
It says 3:30:08
